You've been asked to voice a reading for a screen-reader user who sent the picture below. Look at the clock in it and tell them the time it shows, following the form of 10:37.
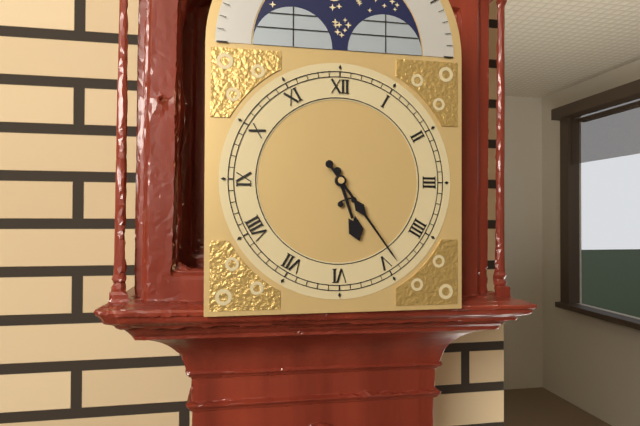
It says 5:24
